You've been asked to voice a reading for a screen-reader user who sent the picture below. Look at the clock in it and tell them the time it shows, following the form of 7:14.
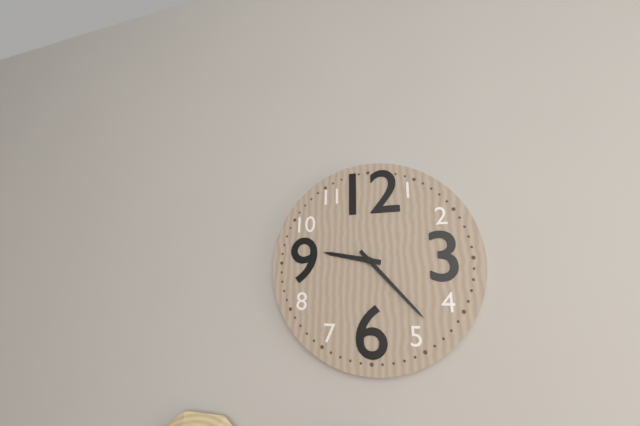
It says 9:23
